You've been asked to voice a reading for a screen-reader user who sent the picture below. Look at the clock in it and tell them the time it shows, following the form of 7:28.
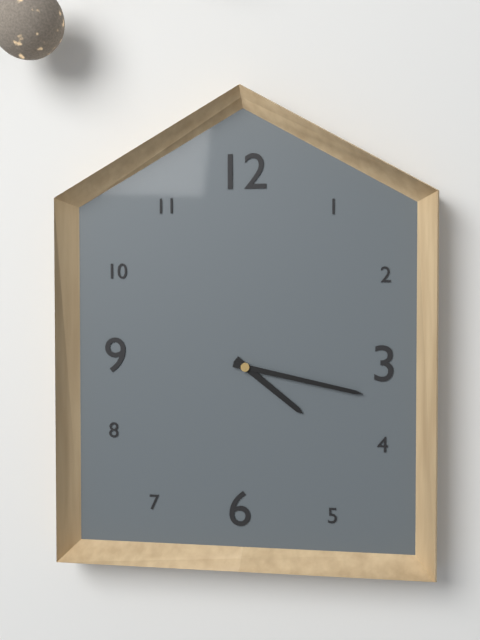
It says 4:17
